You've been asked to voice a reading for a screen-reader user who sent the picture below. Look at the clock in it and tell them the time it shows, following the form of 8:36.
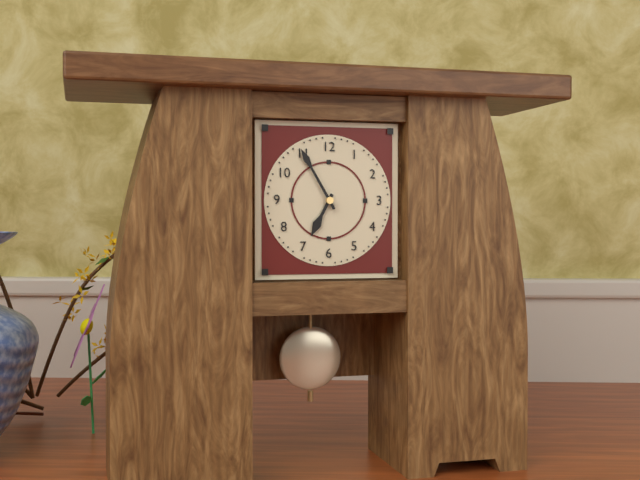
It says 6:55
